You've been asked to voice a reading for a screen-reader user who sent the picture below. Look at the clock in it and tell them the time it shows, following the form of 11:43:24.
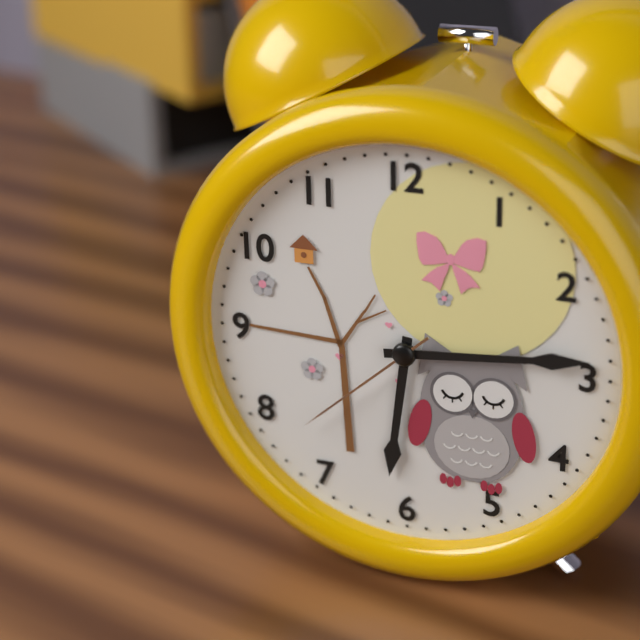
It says 6:14:38
